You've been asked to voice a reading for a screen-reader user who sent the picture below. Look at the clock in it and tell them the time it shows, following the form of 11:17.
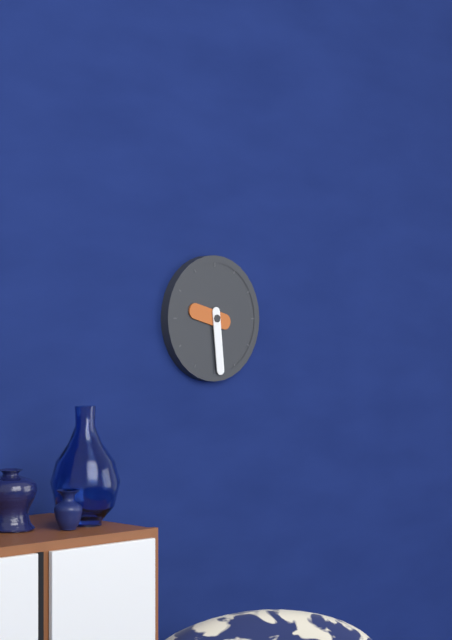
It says 9:29
